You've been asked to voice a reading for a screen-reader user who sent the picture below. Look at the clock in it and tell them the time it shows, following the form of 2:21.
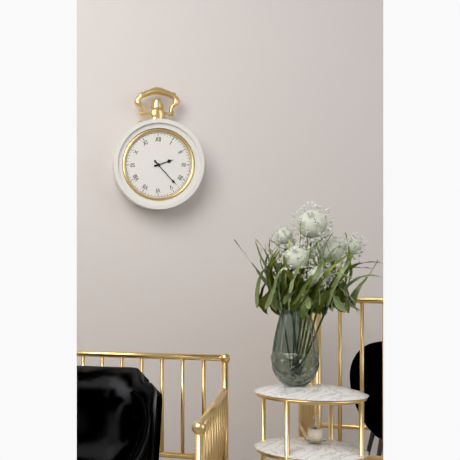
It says 2:23
